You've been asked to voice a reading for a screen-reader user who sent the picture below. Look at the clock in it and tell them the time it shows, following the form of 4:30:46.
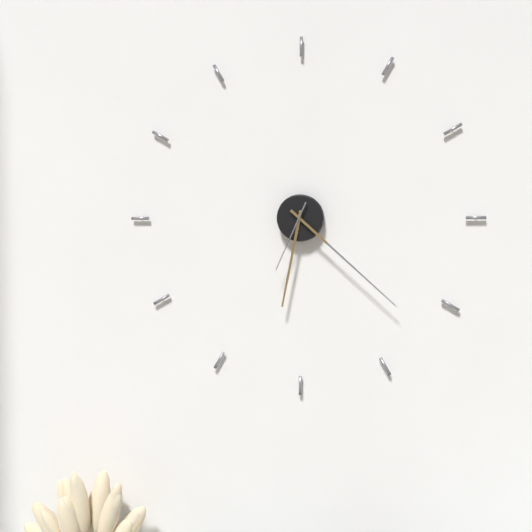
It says 6:22:34
